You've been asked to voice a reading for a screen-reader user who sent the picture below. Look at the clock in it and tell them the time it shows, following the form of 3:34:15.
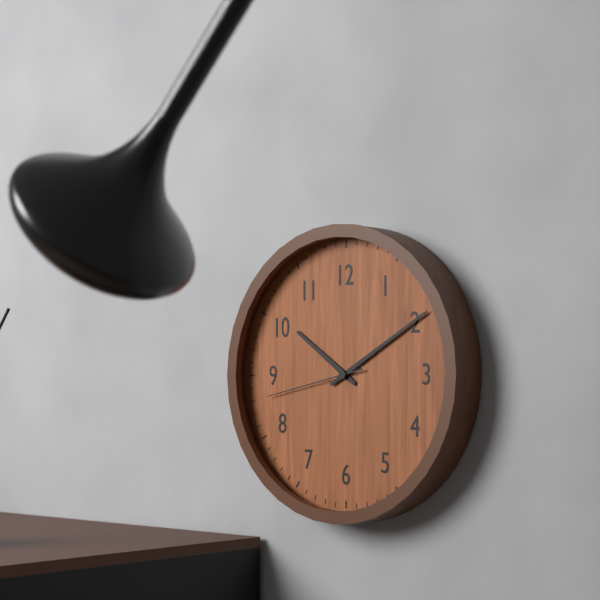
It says 10:10:43
